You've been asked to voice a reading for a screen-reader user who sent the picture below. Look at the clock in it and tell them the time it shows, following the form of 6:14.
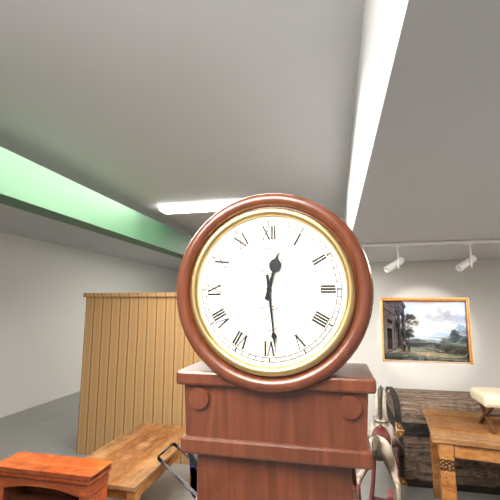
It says 12:29
